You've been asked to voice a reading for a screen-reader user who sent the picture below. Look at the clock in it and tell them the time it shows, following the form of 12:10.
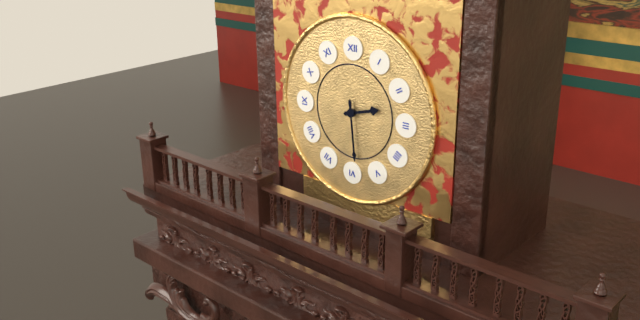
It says 2:29
